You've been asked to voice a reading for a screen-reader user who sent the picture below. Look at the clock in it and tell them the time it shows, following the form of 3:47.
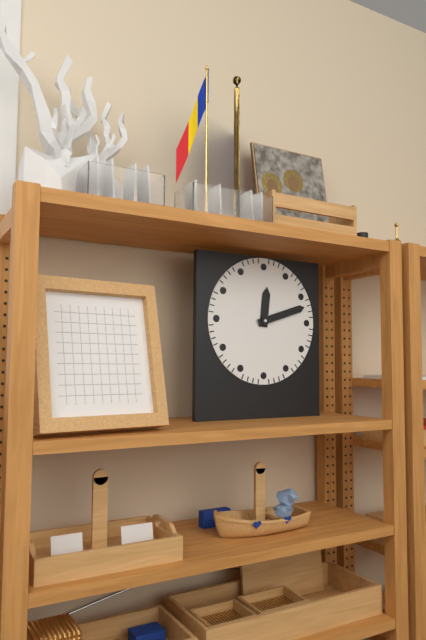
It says 12:12
